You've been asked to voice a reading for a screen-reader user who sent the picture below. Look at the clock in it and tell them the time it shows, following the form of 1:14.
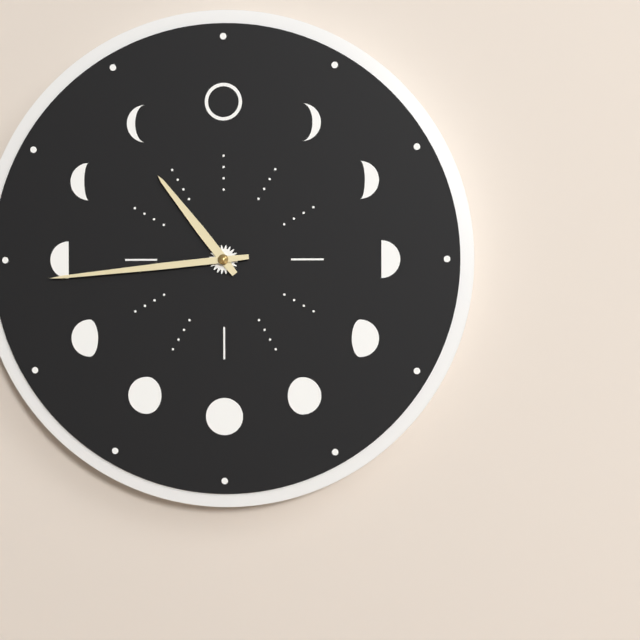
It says 10:44
